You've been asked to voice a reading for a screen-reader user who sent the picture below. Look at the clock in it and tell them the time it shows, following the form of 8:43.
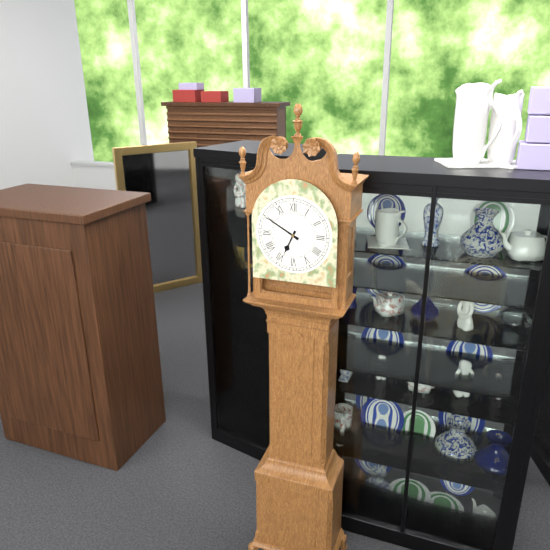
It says 6:50
